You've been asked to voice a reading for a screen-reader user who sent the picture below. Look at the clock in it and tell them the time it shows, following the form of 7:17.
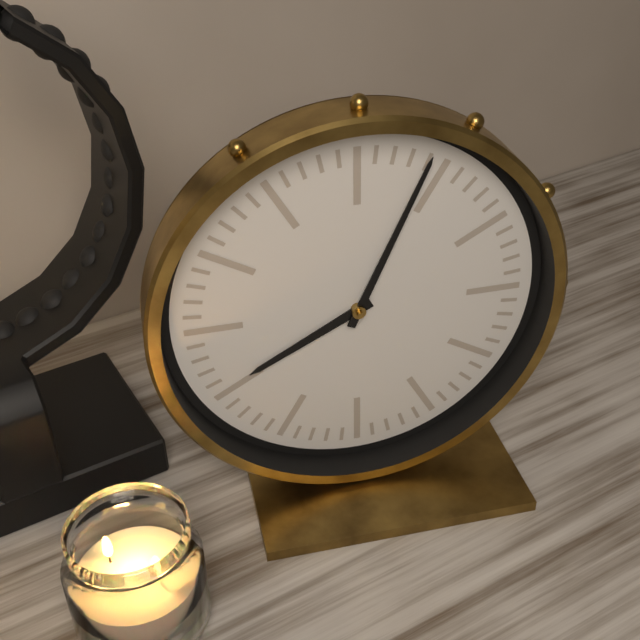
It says 8:04
